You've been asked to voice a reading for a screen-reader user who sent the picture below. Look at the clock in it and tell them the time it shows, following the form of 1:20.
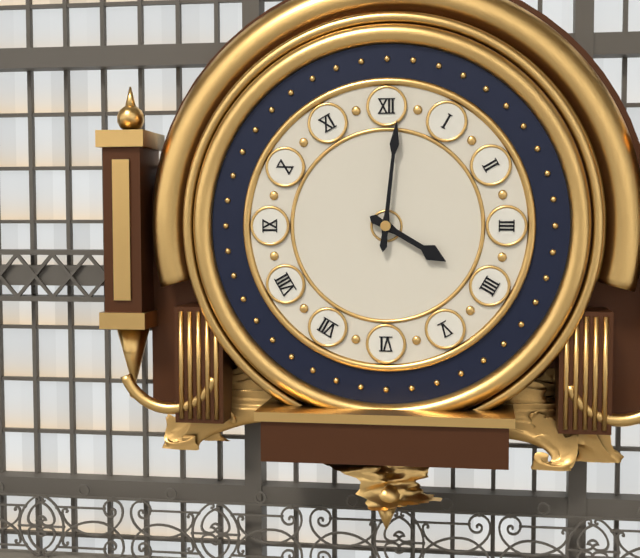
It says 4:01
